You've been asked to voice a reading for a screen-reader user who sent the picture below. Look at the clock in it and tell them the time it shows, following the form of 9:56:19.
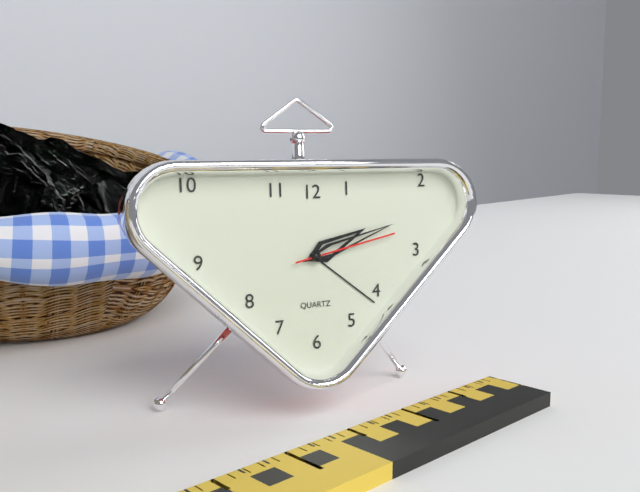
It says 2:12:13
